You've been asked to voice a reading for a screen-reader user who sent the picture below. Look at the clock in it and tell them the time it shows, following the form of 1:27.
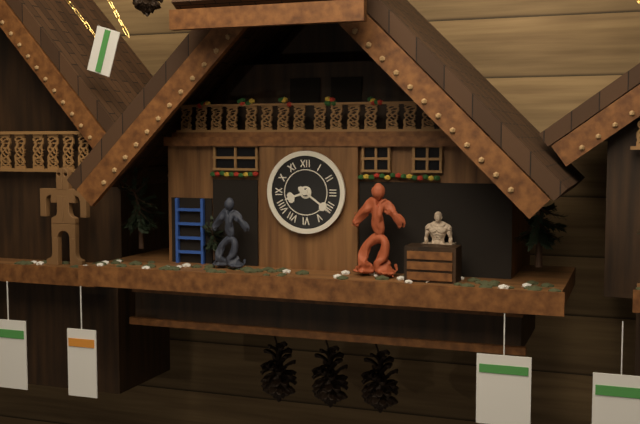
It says 8:21
